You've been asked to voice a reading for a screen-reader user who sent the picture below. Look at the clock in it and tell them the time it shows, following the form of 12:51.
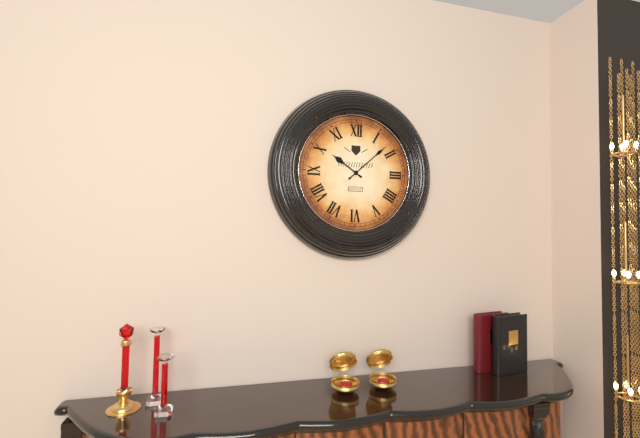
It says 10:08
